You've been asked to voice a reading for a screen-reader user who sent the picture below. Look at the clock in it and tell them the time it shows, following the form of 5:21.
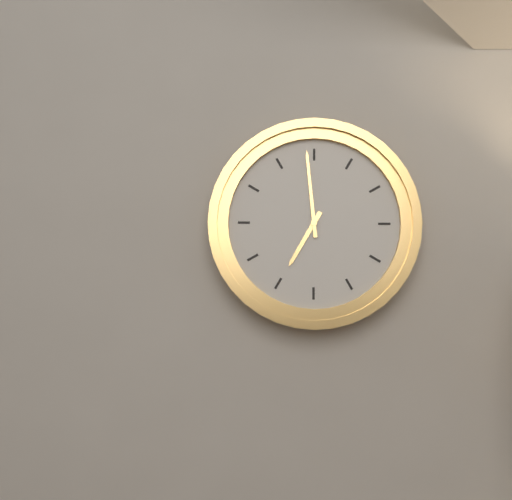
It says 6:59
